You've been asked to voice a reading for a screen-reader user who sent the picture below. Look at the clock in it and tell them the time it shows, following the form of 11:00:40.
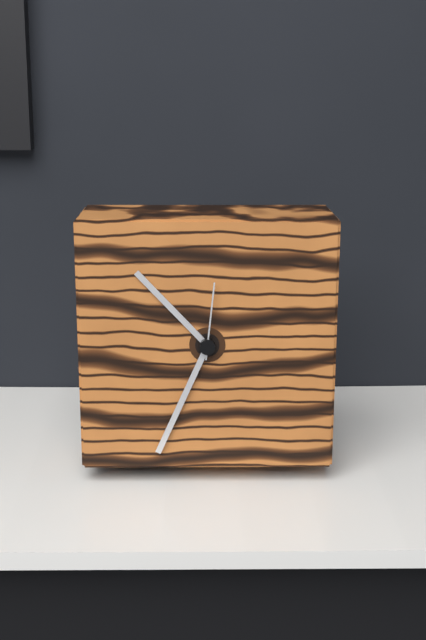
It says 10:34:01
